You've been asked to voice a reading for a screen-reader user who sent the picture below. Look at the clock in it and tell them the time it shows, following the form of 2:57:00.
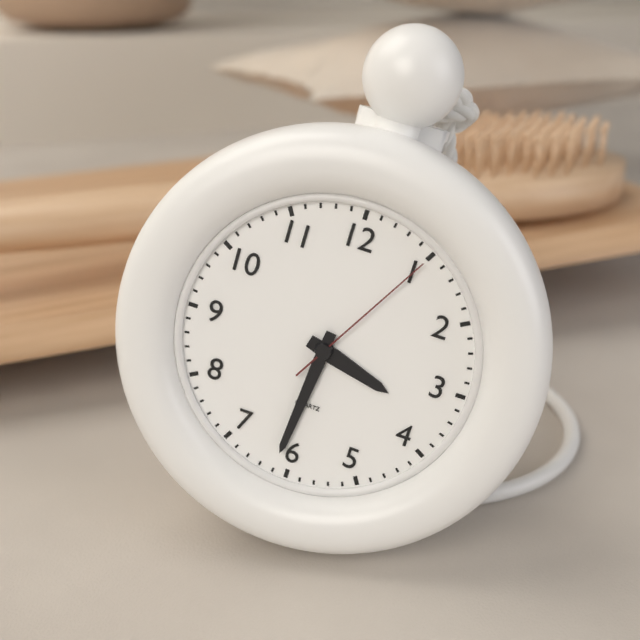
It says 3:31:05
